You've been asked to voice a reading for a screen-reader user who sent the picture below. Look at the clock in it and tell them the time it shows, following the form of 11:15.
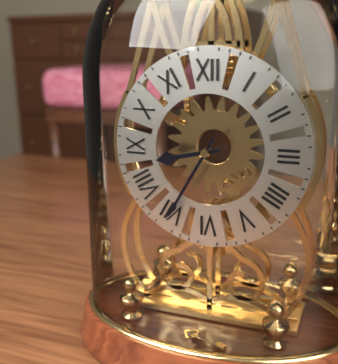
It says 8:35
